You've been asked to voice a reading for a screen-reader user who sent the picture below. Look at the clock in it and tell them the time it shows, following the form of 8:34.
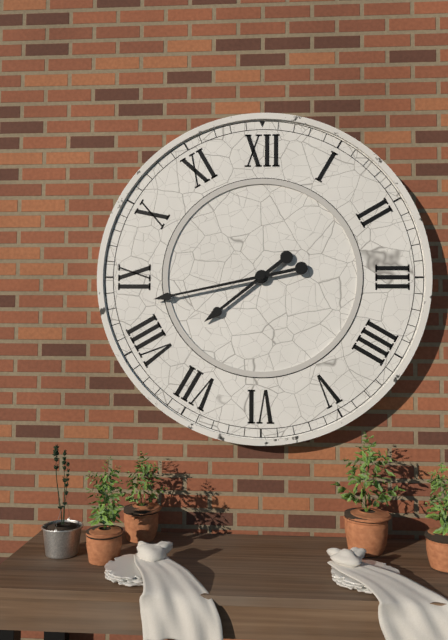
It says 7:43
